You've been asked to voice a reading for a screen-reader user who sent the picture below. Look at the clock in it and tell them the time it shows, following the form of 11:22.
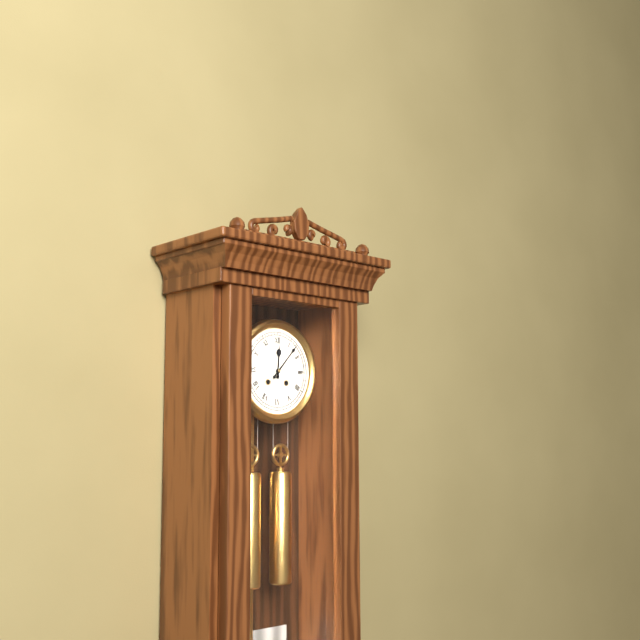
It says 12:07
